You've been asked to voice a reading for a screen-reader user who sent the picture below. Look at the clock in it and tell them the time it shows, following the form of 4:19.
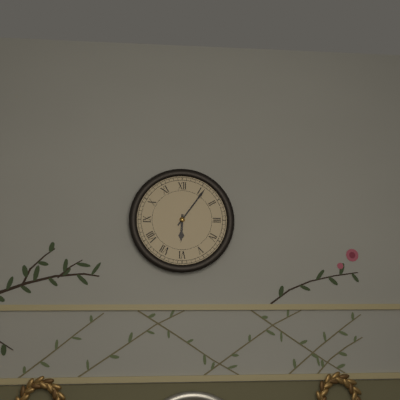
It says 6:06
